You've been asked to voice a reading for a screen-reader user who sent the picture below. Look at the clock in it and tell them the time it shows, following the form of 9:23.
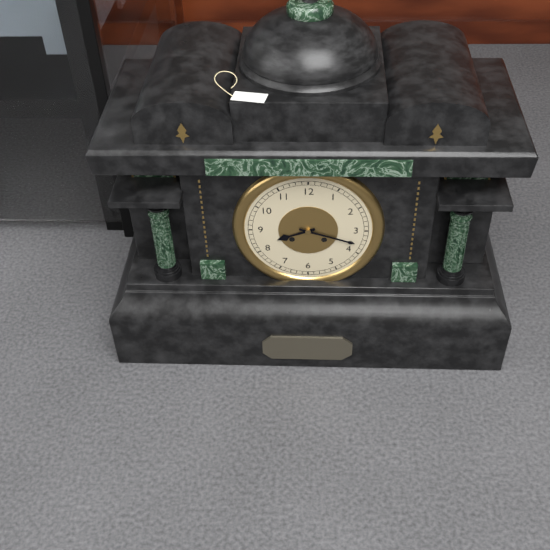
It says 8:18
